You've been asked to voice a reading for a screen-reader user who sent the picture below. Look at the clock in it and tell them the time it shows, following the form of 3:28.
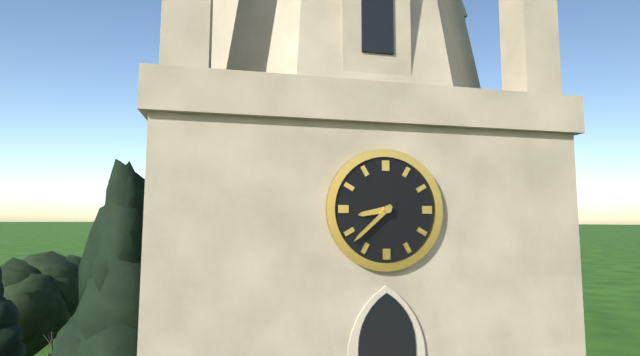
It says 8:38
